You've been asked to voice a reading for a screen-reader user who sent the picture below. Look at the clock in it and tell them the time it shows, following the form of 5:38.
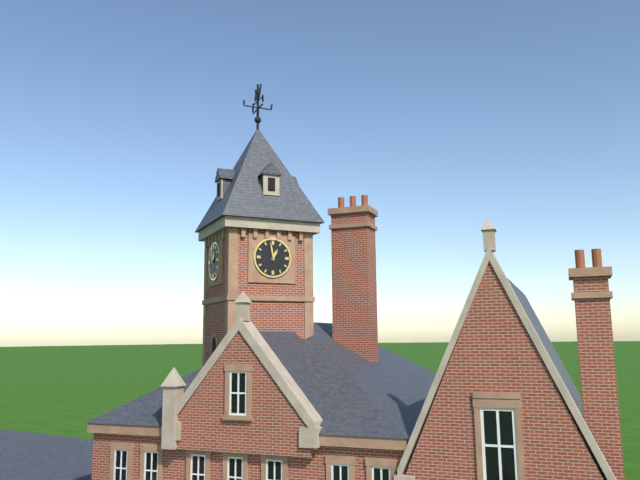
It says 12:58
